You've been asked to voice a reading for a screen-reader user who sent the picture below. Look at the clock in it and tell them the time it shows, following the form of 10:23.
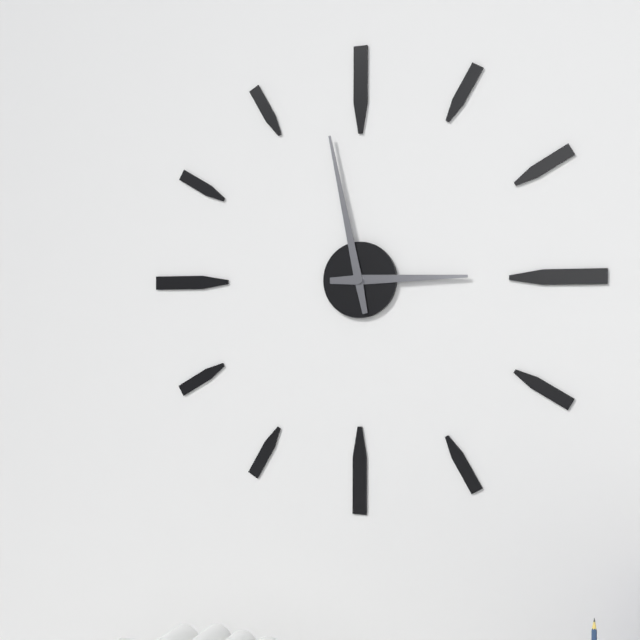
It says 2:58
